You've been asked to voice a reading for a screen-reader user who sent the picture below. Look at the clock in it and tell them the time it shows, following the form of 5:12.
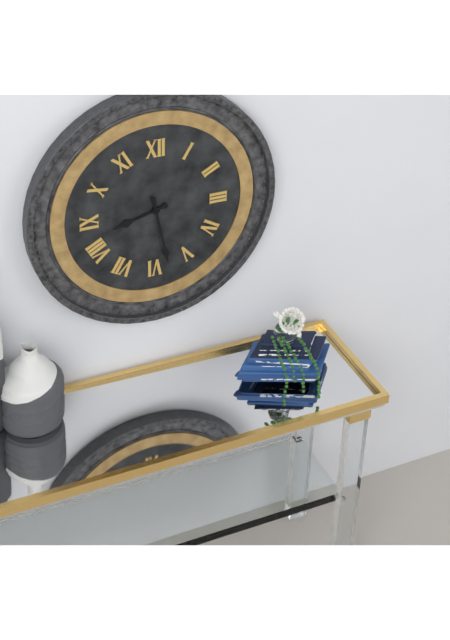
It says 8:28
